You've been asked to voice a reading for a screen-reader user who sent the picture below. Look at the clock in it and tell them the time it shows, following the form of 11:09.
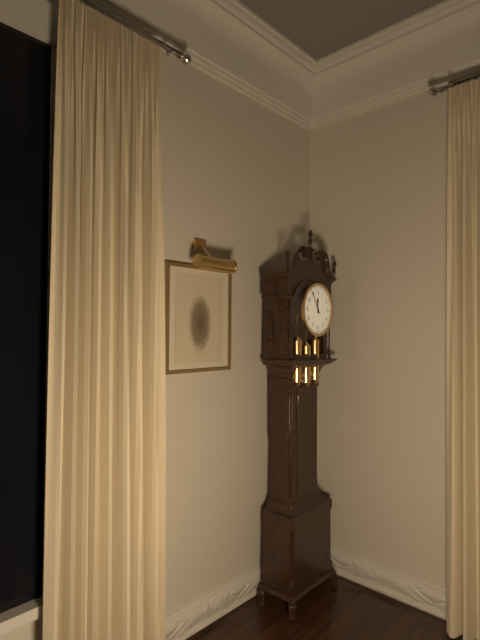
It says 11:55
